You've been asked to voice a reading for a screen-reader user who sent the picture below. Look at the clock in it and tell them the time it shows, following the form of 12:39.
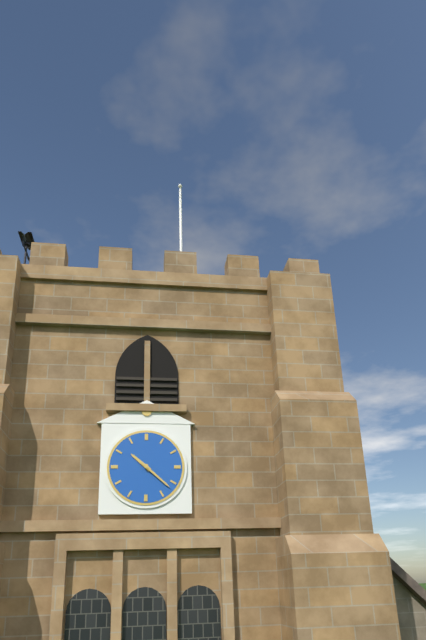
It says 10:22
